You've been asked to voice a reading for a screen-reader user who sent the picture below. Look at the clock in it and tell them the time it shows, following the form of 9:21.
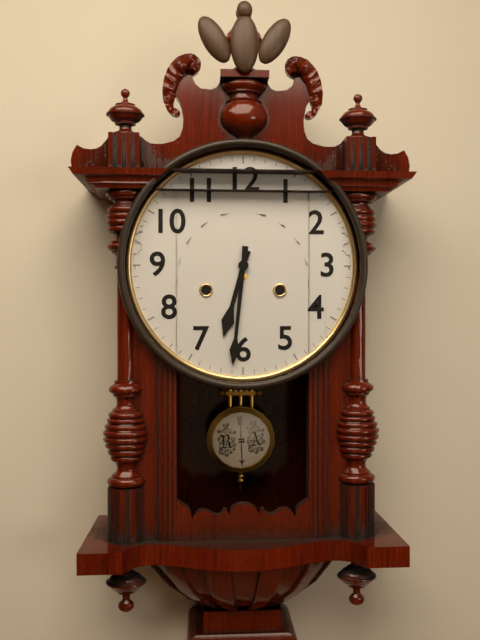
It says 6:31
